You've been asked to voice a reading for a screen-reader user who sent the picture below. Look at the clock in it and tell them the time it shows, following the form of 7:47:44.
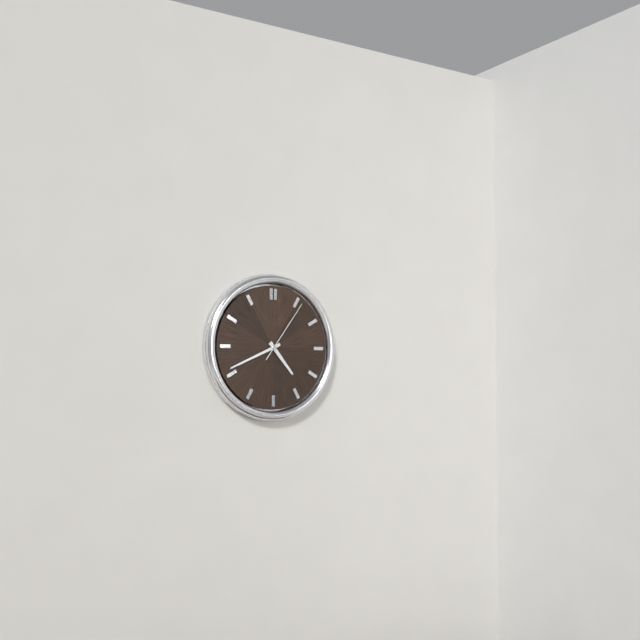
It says 4:41:06
